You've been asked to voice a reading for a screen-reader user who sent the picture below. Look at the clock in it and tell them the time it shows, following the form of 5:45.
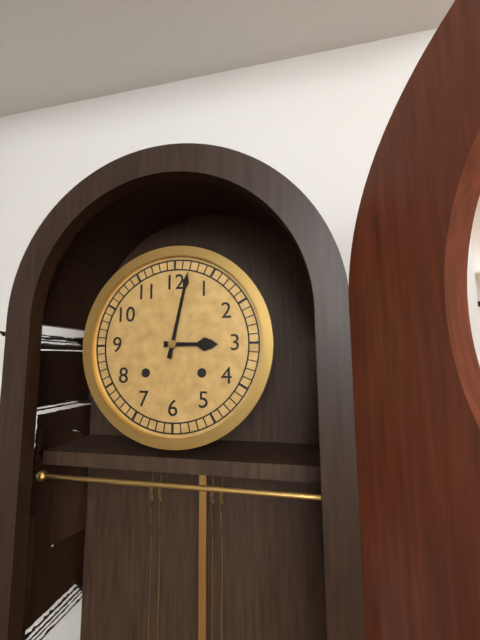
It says 3:02
